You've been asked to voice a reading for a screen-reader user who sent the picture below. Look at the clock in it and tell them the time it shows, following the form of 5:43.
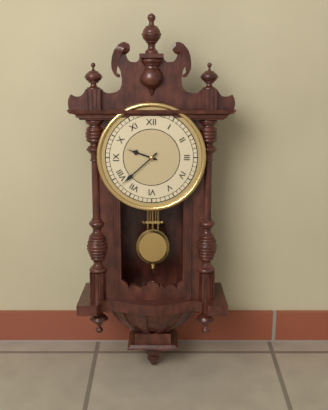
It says 9:38
